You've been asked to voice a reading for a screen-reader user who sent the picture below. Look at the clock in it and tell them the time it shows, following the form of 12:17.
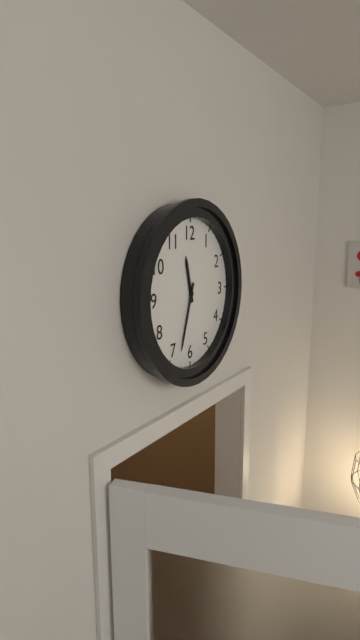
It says 11:33
